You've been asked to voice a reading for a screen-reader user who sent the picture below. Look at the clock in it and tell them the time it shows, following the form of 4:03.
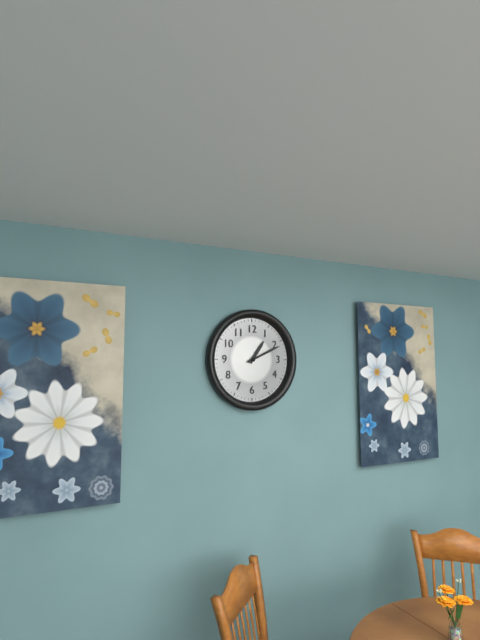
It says 1:11
